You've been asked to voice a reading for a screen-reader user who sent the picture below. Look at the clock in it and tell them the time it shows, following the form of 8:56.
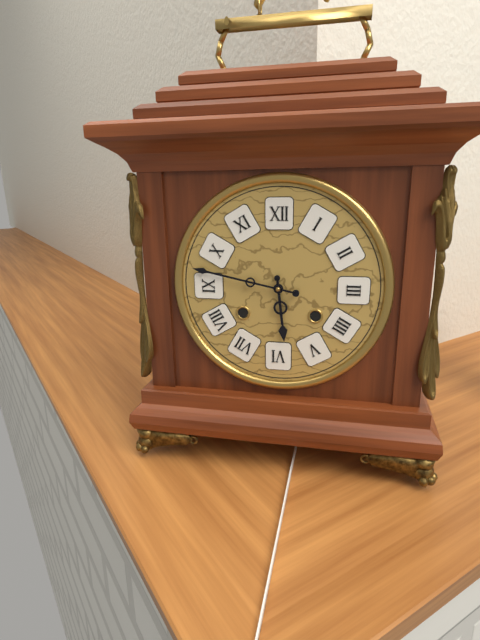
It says 5:47
